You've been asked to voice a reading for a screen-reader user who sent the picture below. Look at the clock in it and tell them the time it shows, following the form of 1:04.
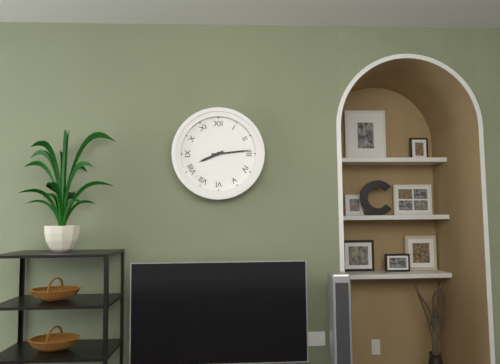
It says 8:14
